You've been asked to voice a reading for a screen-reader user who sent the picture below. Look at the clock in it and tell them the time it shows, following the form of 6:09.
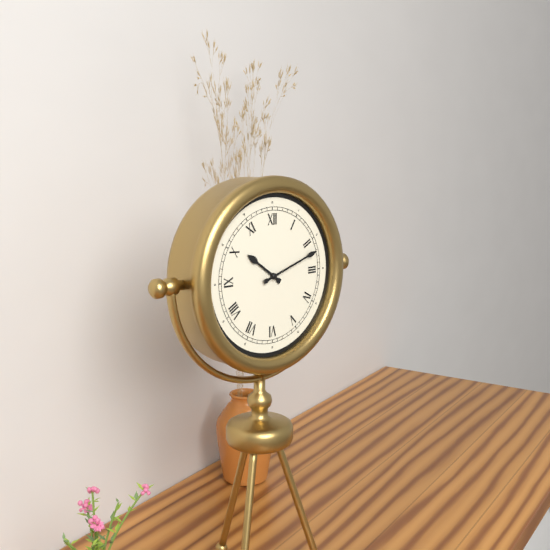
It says 10:12
